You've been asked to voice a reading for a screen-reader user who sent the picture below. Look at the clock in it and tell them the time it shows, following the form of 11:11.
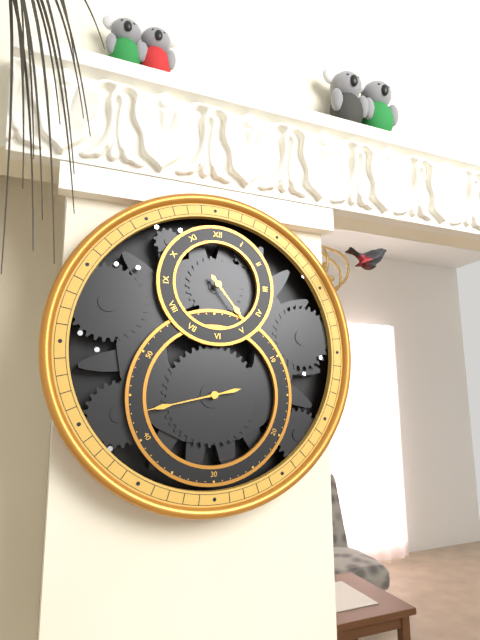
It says 4:43
